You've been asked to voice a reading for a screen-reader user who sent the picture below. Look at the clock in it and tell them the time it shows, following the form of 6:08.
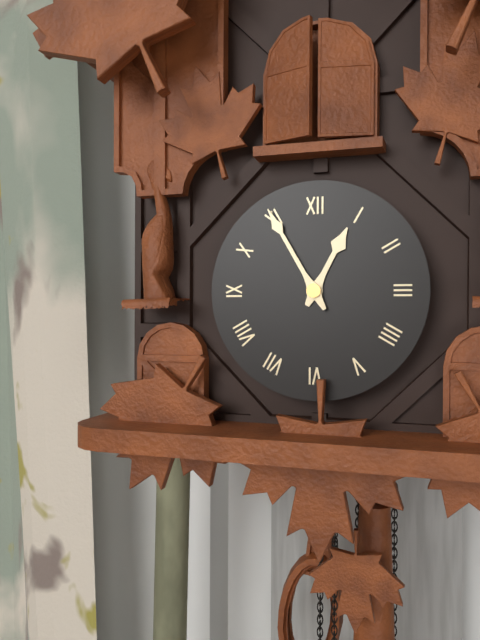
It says 12:55
